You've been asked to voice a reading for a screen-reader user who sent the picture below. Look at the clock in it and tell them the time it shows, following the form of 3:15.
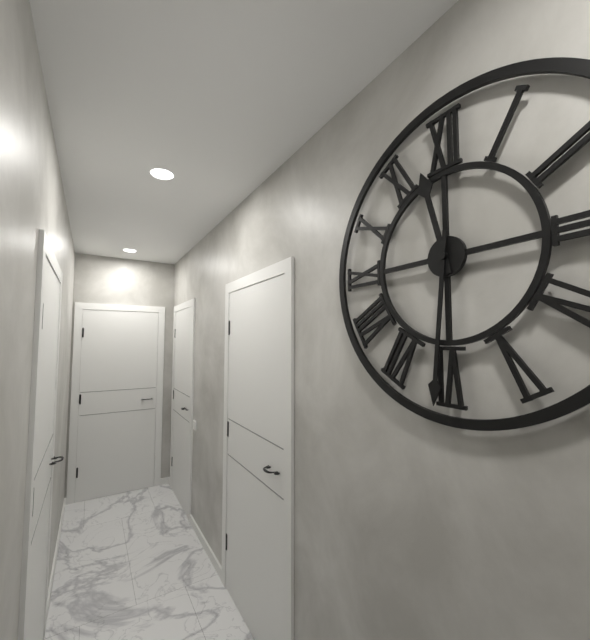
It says 11:31
